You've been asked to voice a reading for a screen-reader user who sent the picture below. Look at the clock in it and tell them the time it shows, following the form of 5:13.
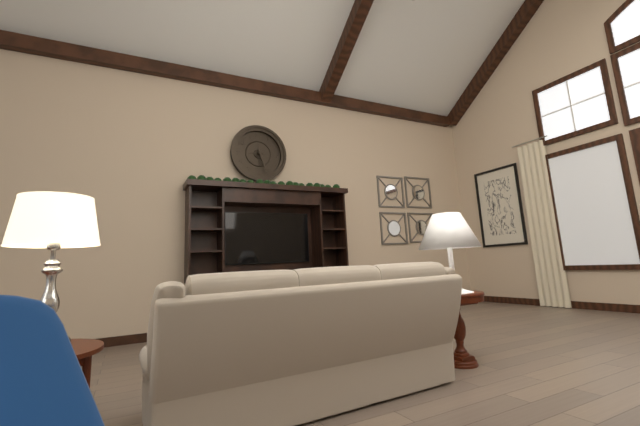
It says 5:27
